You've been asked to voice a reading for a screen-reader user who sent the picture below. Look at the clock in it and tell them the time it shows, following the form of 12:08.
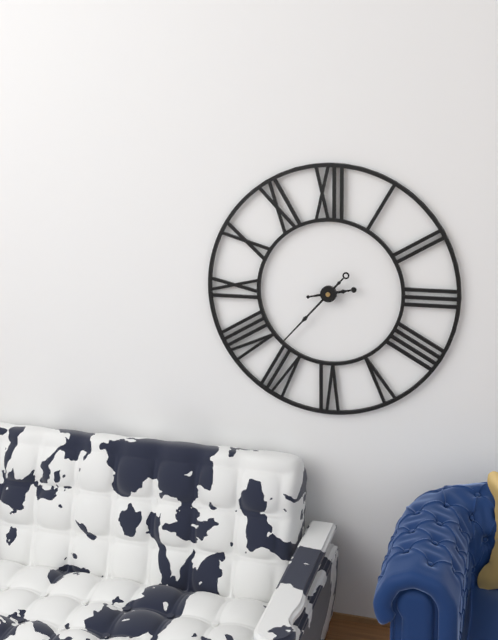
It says 2:37
